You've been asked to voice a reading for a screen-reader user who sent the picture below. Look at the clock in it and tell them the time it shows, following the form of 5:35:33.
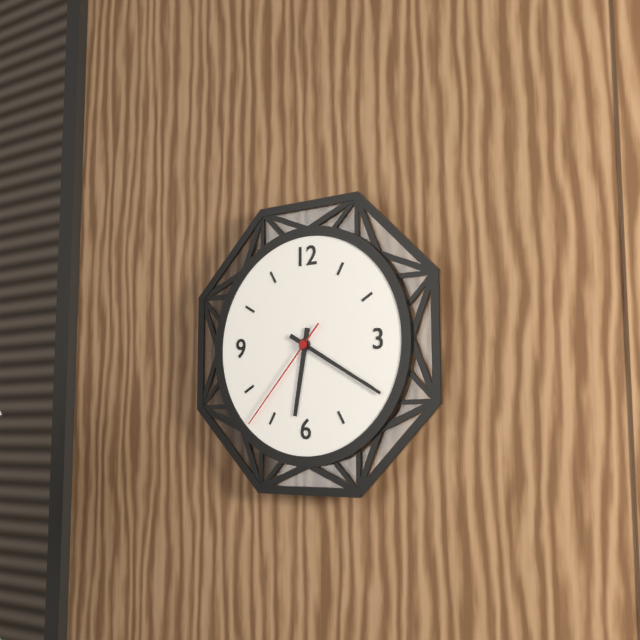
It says 6:20:37
